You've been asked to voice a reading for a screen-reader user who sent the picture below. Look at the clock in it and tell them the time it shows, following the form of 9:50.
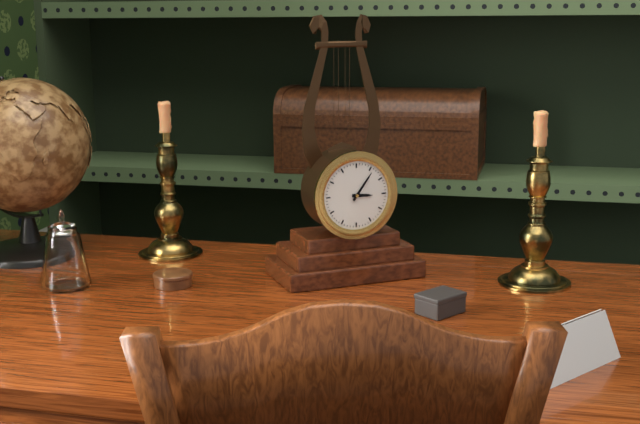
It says 3:06
